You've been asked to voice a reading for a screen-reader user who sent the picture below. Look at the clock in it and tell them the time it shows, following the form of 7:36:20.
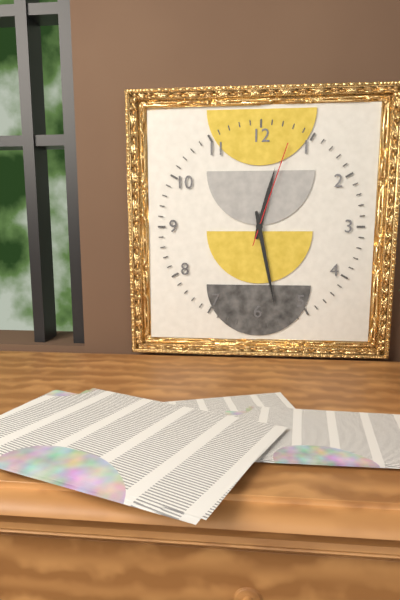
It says 12:28:03
